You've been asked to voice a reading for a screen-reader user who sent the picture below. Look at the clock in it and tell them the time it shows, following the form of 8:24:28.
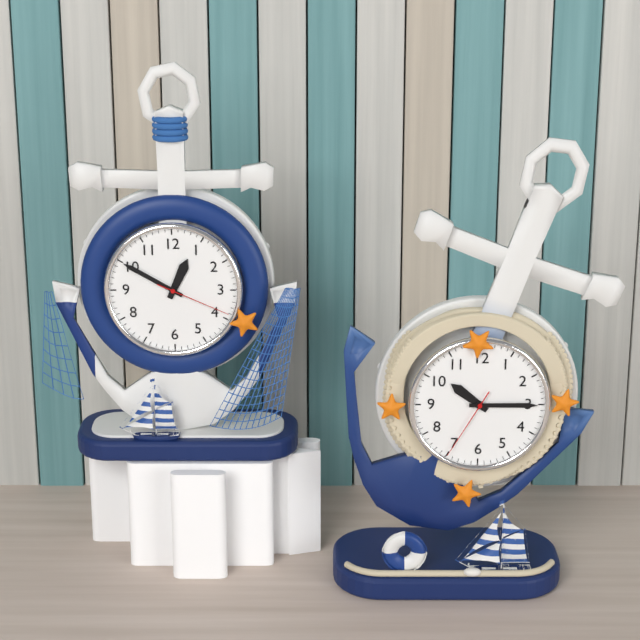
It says 12:50:19
